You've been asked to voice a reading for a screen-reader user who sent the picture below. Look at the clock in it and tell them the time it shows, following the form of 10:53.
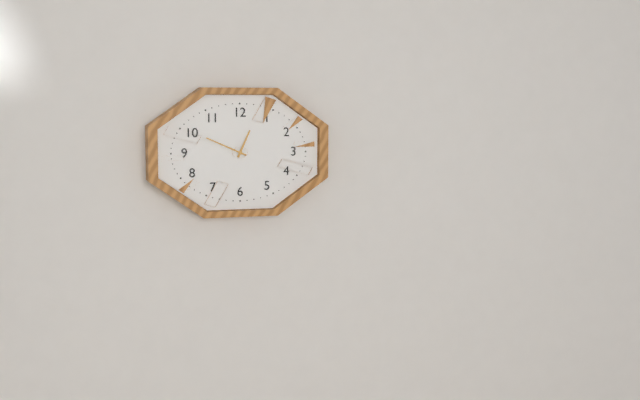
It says 12:49
